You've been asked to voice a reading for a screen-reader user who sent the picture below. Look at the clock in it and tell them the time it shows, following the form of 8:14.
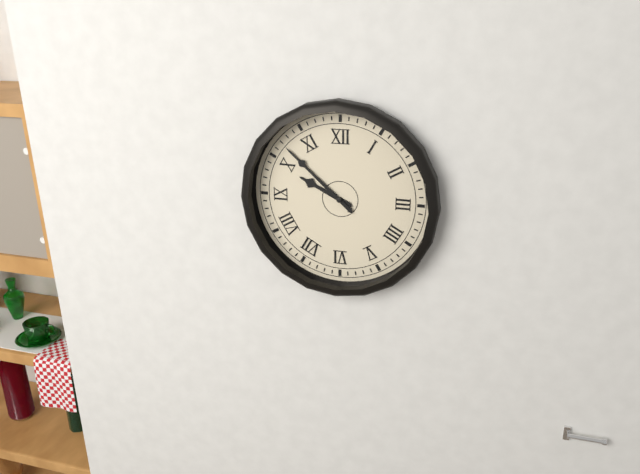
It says 9:52
